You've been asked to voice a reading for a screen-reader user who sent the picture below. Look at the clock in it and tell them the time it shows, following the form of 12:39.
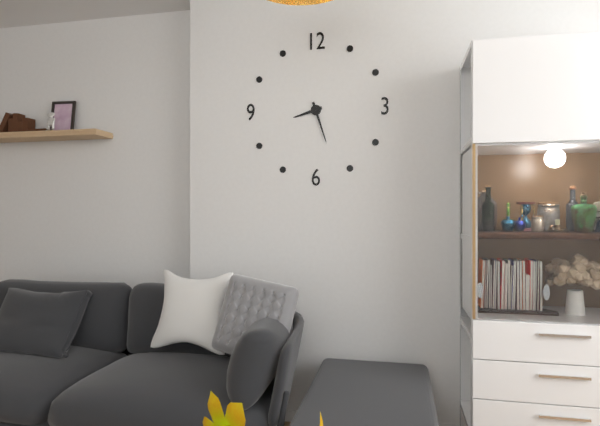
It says 8:27
